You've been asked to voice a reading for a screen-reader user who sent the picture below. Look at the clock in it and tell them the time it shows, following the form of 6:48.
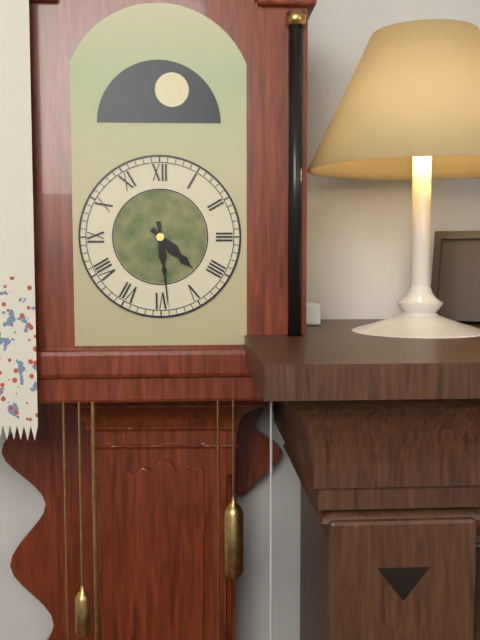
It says 4:29
